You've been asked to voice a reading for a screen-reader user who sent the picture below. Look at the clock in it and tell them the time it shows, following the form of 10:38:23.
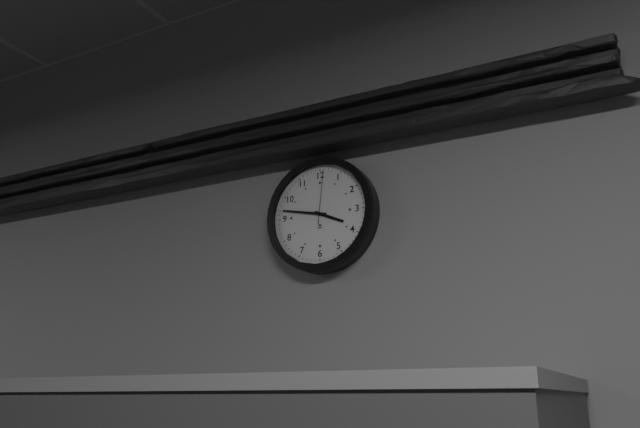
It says 3:47:01
